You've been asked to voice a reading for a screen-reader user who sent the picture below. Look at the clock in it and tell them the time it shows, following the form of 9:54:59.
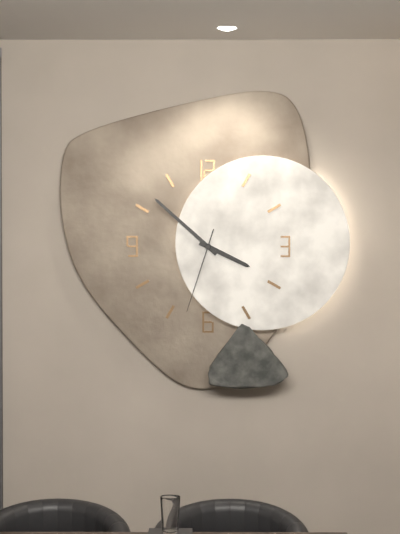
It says 3:52:33
